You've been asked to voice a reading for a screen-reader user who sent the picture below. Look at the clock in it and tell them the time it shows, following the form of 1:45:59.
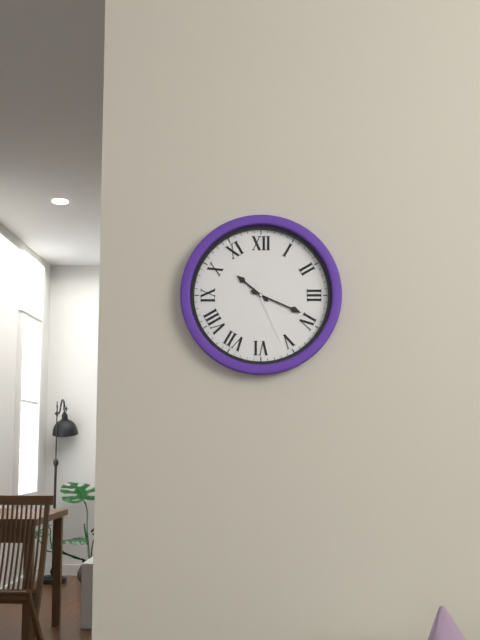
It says 10:19:26
